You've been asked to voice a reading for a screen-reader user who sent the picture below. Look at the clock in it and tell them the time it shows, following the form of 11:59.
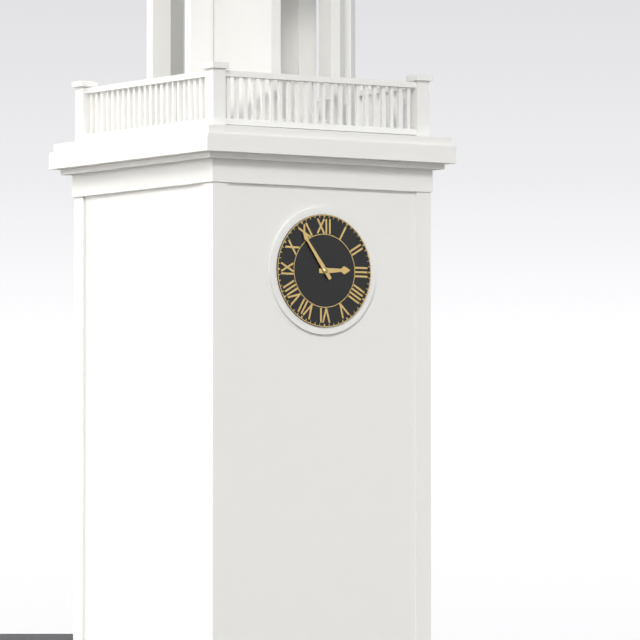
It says 2:54
